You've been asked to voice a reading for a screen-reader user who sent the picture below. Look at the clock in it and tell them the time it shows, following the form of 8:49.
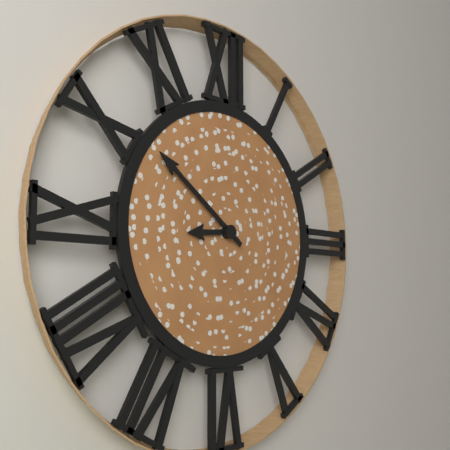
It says 8:51
